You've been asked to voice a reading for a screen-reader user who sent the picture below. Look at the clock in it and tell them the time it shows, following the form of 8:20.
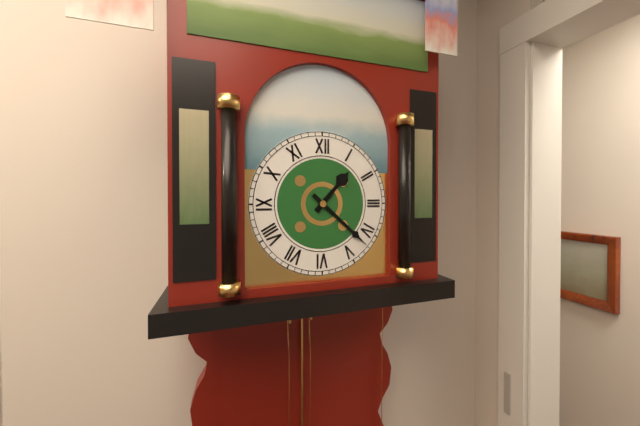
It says 1:22
